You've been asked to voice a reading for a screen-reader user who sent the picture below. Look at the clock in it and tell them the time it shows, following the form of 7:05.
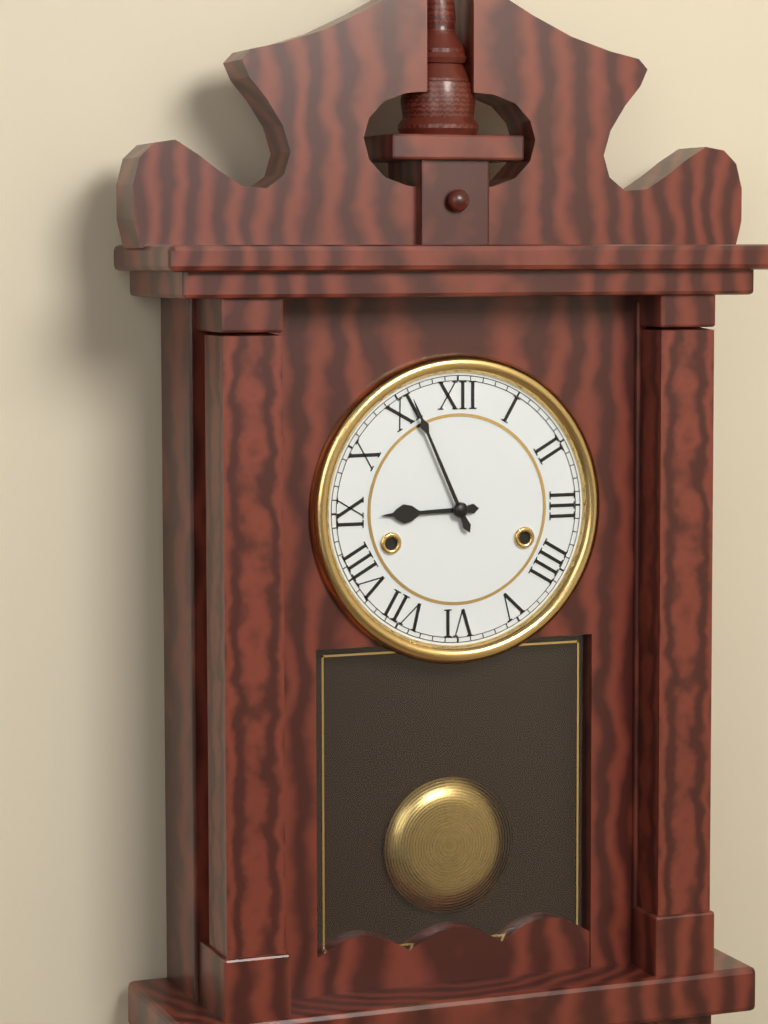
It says 8:56
